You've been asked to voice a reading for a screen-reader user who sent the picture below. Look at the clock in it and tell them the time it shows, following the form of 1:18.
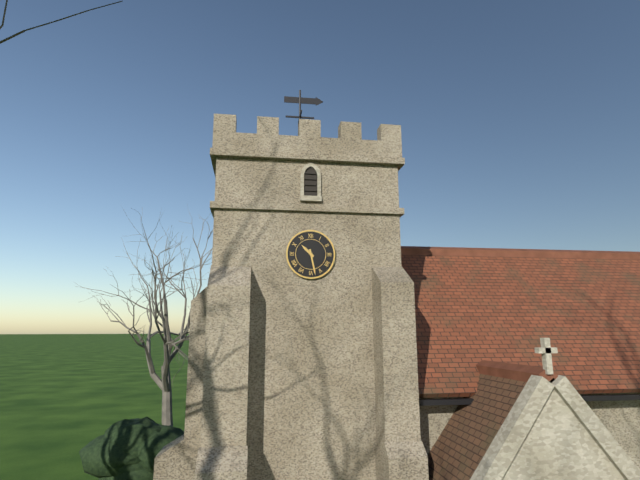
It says 10:28
